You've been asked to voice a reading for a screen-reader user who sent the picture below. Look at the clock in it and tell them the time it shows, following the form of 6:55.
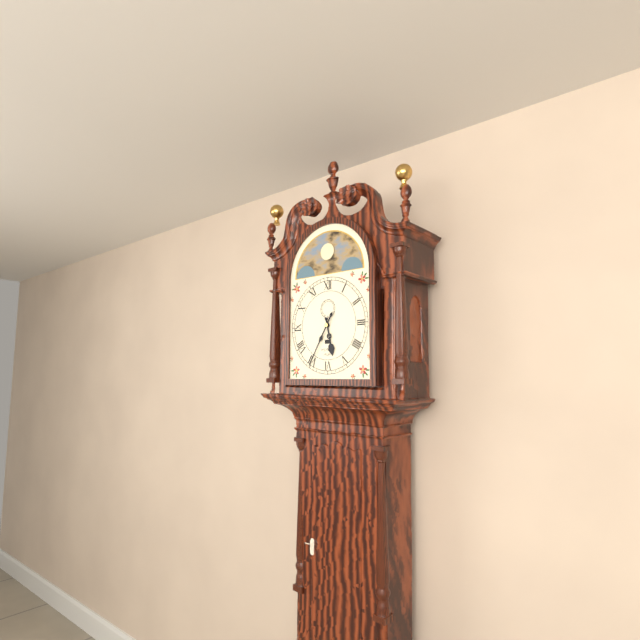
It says 5:35
